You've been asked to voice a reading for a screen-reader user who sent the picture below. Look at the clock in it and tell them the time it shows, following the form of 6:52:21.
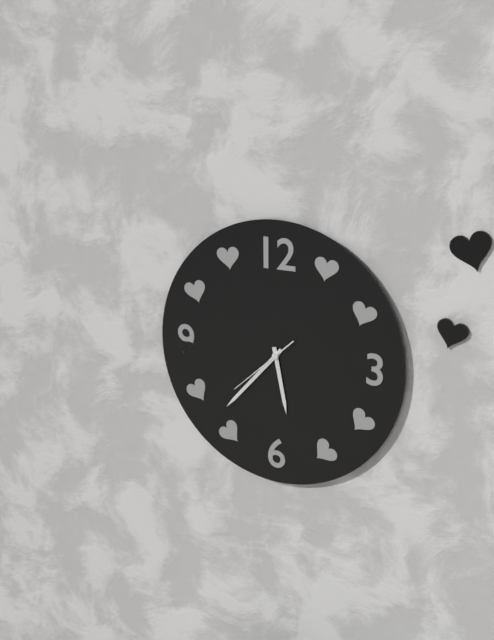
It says 5:37:38
